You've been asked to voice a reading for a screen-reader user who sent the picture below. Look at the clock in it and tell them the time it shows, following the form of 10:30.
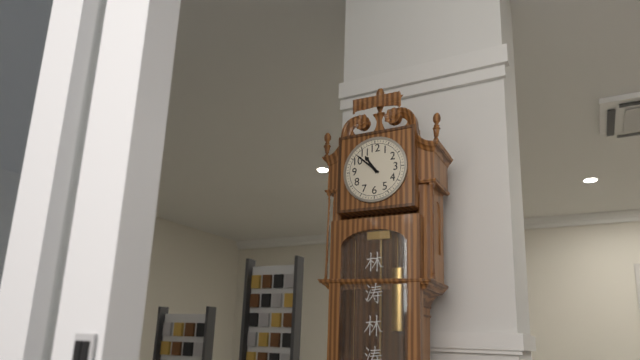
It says 10:52
